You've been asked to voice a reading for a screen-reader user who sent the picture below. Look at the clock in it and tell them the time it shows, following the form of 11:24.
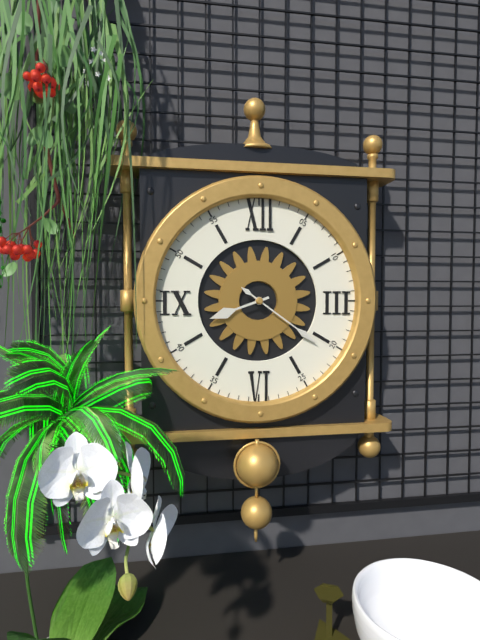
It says 8:21
